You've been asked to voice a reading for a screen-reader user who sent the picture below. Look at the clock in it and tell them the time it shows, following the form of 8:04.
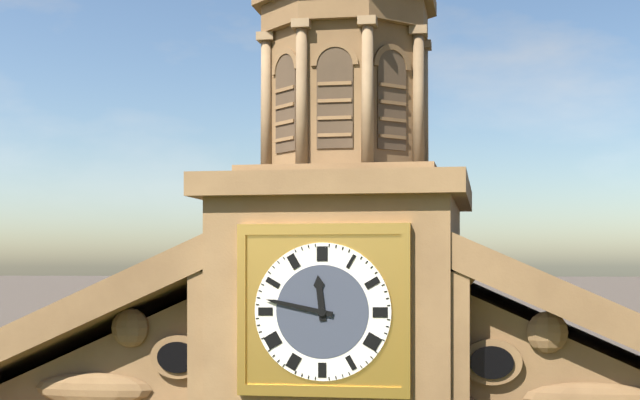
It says 11:47
